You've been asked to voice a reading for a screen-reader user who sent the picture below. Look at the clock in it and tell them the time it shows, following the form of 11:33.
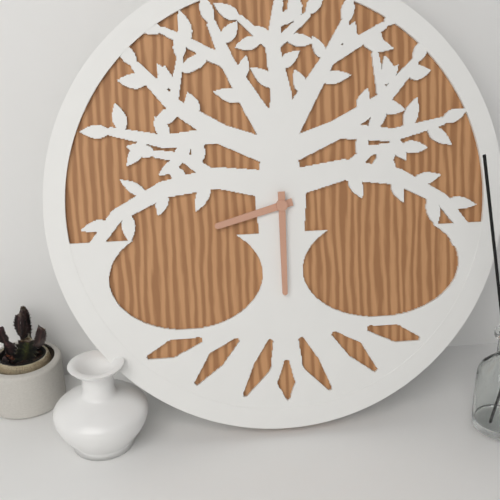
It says 8:30
